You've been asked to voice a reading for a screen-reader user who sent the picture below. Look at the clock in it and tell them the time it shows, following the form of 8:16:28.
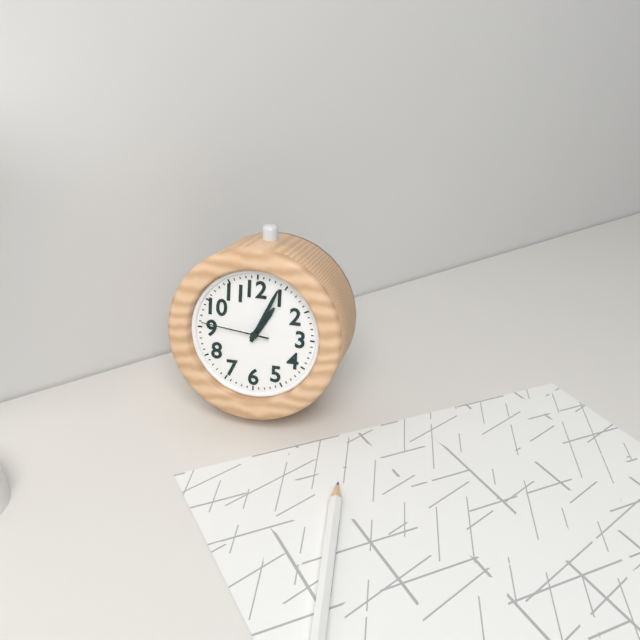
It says 1:04:46
